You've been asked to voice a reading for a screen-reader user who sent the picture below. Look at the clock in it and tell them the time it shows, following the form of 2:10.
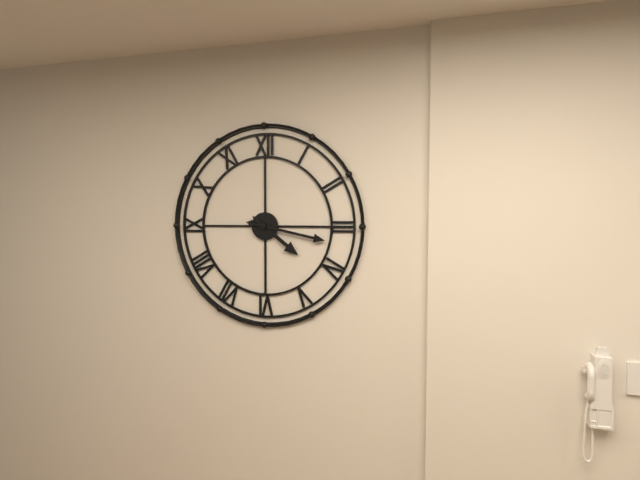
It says 4:17
